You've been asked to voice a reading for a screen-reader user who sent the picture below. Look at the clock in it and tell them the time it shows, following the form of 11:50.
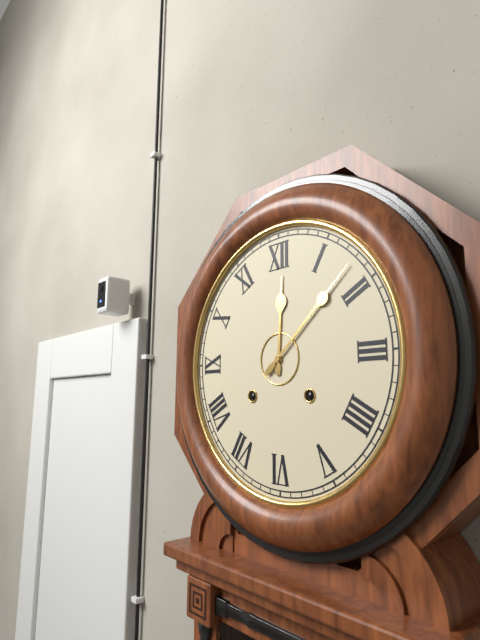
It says 12:08
